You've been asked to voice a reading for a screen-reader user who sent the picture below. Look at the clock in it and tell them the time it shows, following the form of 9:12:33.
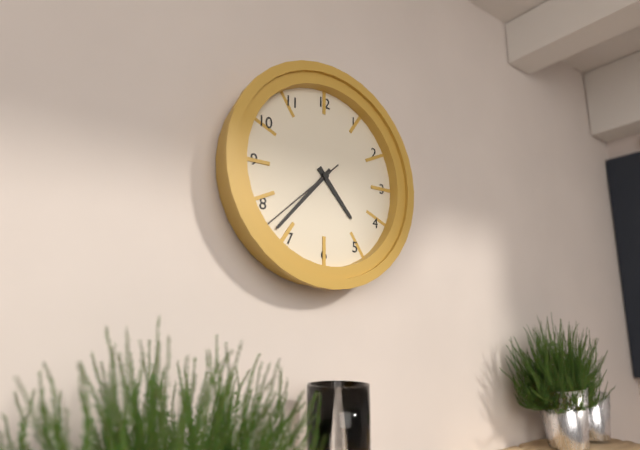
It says 4:37:38
